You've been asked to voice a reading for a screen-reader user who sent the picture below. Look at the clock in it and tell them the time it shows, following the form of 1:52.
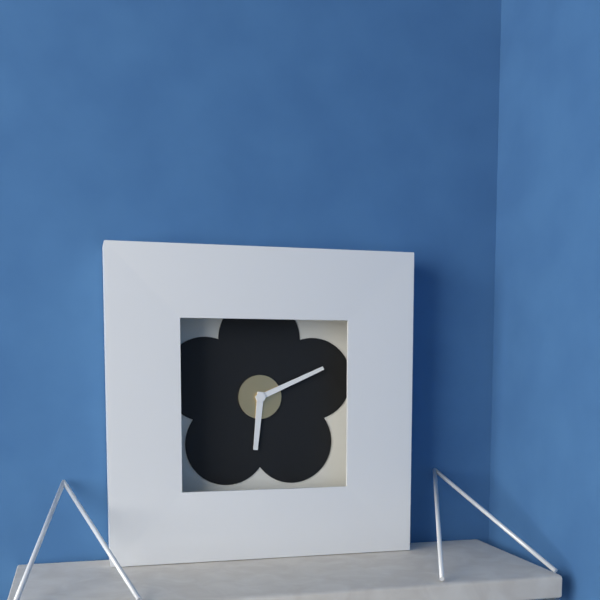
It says 6:11
